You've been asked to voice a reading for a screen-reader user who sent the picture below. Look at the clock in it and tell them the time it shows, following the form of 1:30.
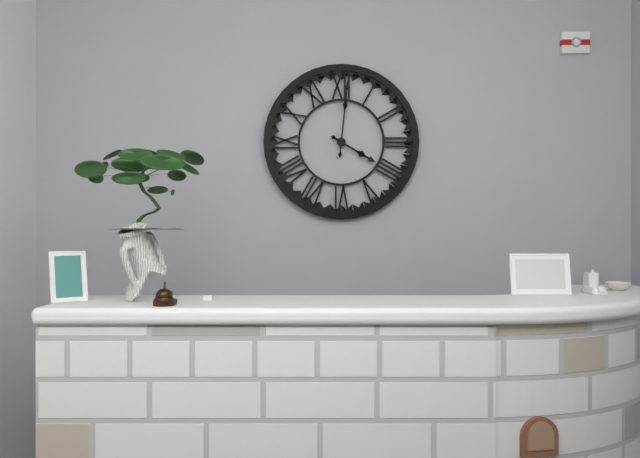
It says 4:01
